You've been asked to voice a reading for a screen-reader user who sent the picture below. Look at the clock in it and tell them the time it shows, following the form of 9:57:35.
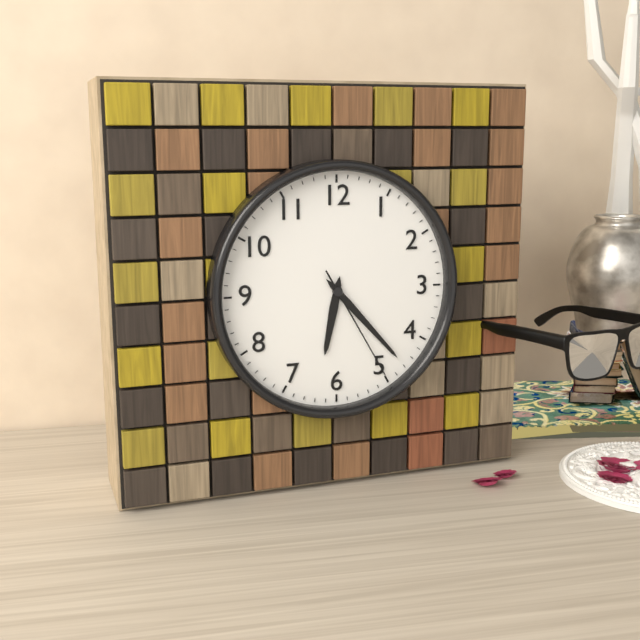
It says 6:23:25
